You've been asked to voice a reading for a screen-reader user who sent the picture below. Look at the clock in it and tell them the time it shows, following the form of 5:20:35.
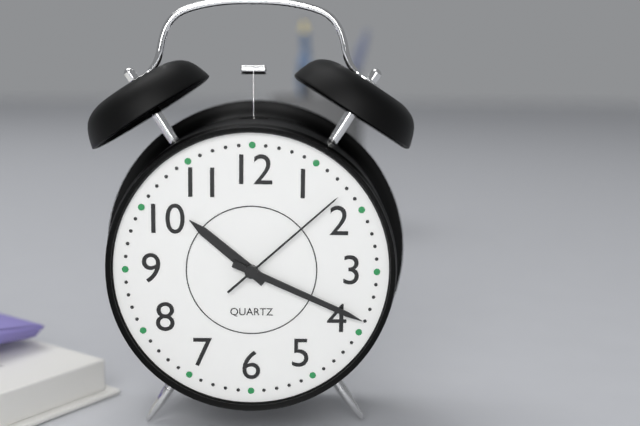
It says 10:19:08
